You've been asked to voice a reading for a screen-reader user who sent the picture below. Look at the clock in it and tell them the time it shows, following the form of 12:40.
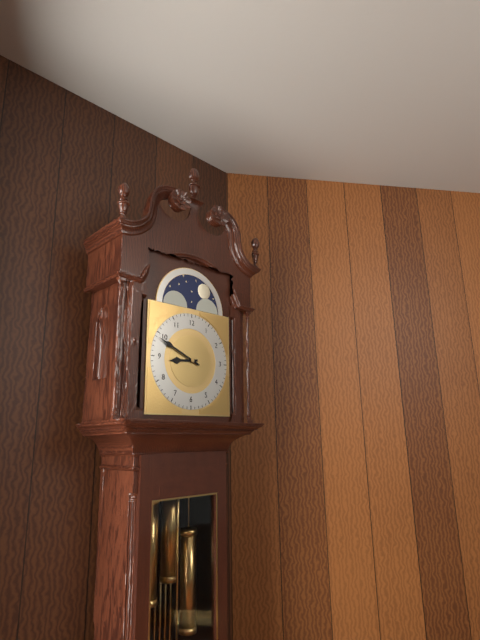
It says 8:49
